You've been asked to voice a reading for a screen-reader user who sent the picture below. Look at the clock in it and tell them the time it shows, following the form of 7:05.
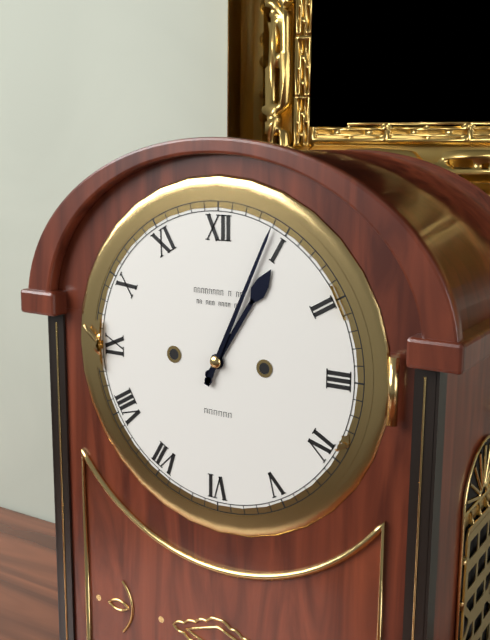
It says 1:04
